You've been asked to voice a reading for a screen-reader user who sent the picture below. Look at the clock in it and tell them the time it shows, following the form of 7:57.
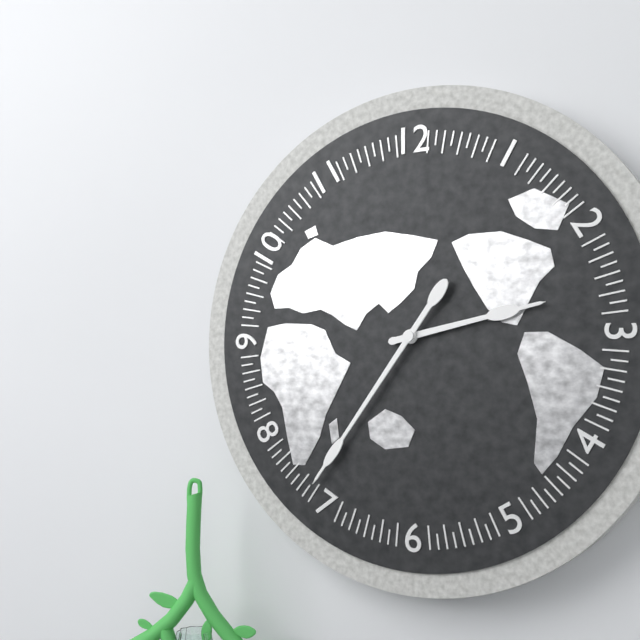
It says 2:36
